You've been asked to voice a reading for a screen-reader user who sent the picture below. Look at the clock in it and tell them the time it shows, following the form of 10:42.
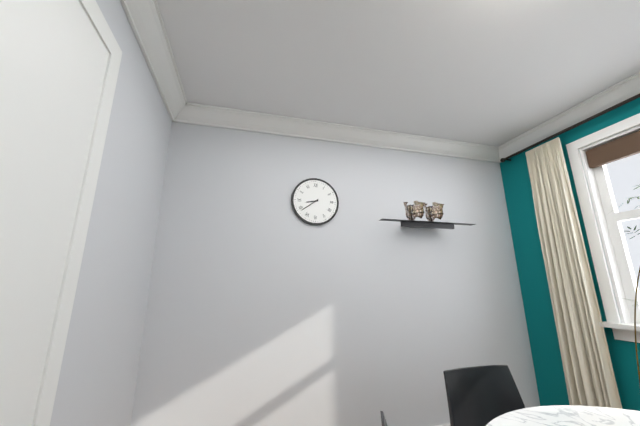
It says 8:39
